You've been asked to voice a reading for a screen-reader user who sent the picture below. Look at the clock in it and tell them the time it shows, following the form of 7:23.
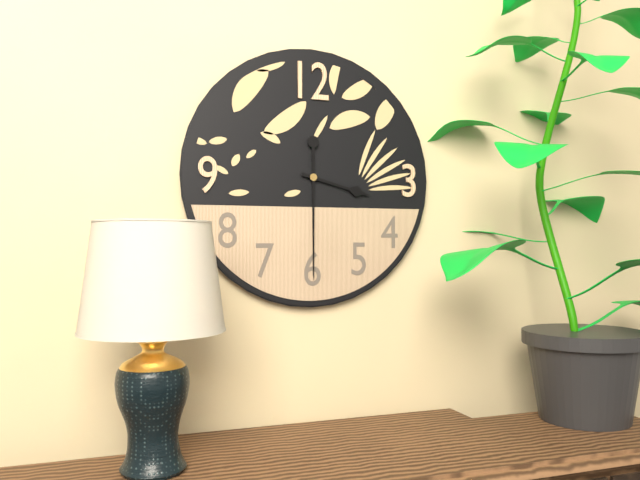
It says 3:30
